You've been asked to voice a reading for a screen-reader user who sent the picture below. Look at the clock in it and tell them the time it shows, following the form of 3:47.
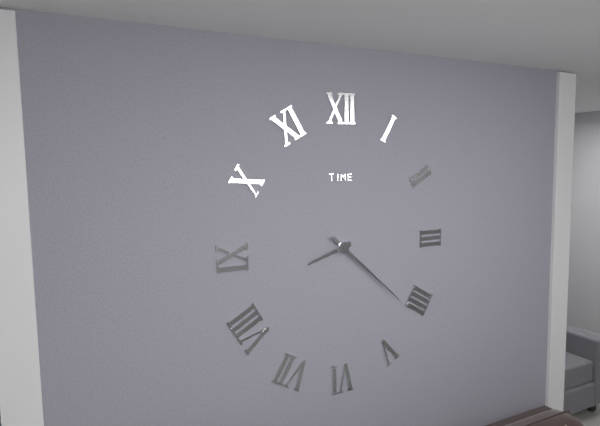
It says 8:22
